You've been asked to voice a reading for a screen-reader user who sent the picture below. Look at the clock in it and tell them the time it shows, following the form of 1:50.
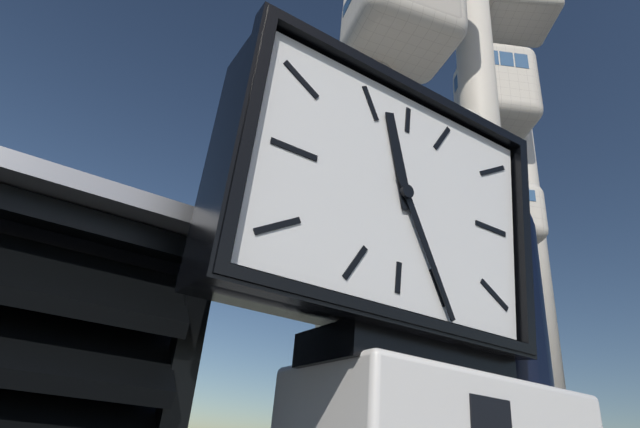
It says 11:25
